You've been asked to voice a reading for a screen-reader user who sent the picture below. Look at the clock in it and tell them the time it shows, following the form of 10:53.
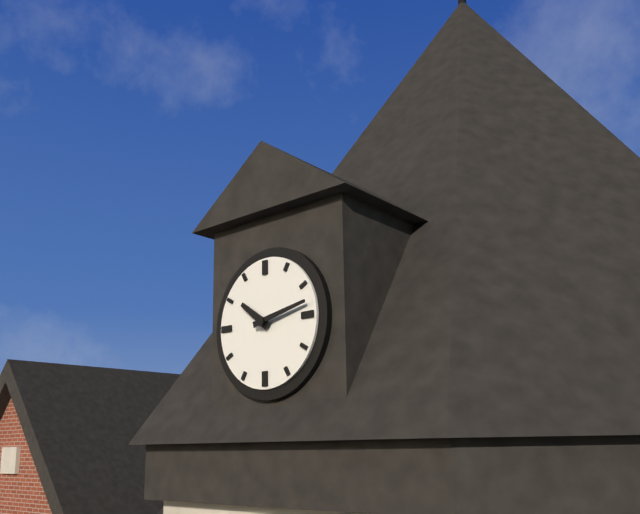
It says 10:13
